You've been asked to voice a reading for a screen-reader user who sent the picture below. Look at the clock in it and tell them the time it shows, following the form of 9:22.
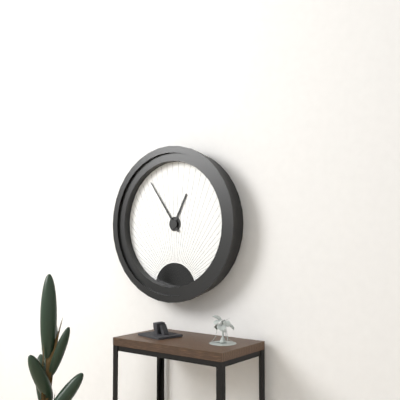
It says 12:54
